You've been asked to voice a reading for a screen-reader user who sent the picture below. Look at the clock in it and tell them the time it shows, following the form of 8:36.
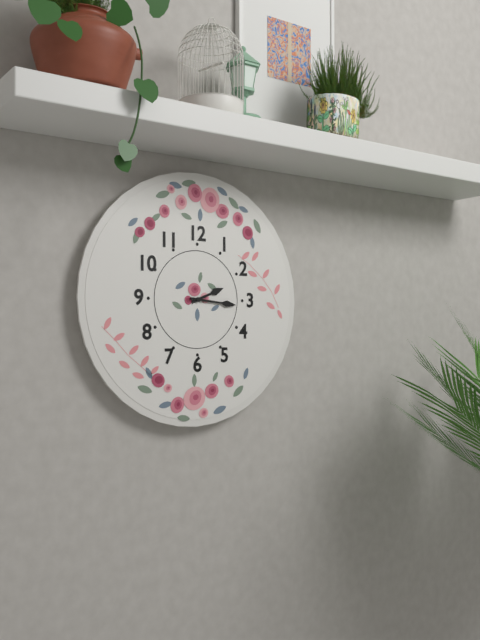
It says 2:16
